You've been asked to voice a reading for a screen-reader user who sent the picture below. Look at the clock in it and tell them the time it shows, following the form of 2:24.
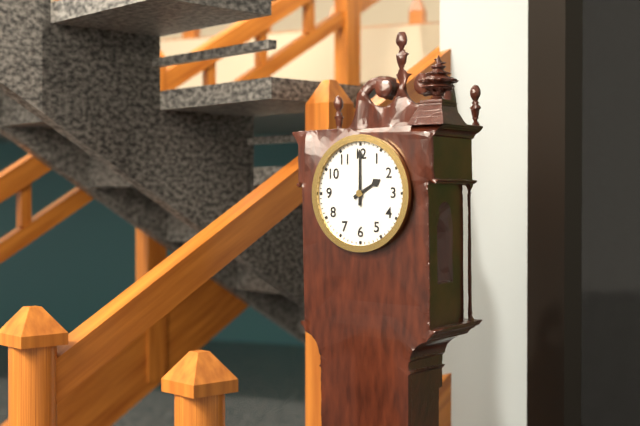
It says 2:00
